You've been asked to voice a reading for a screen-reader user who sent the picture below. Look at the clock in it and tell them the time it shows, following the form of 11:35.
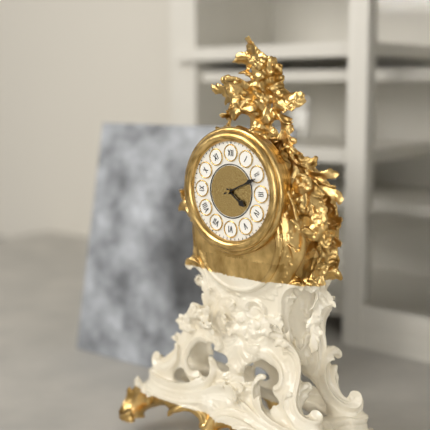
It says 4:11
